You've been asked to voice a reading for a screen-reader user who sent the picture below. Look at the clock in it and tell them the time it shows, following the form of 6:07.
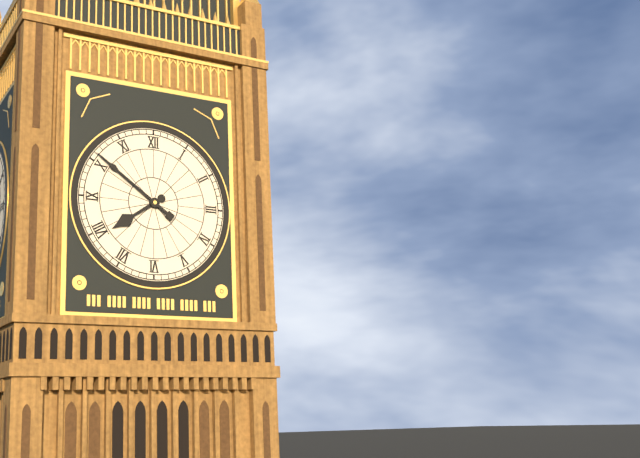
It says 7:51
